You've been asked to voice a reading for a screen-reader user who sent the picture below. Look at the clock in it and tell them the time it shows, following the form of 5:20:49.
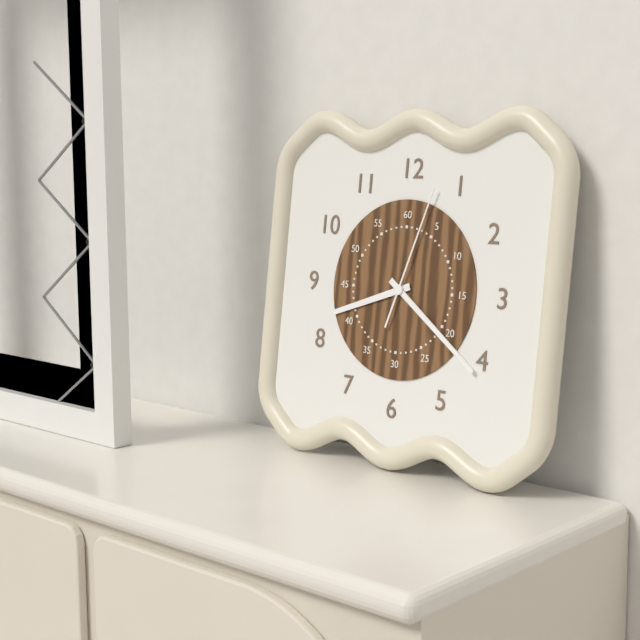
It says 8:21:03
